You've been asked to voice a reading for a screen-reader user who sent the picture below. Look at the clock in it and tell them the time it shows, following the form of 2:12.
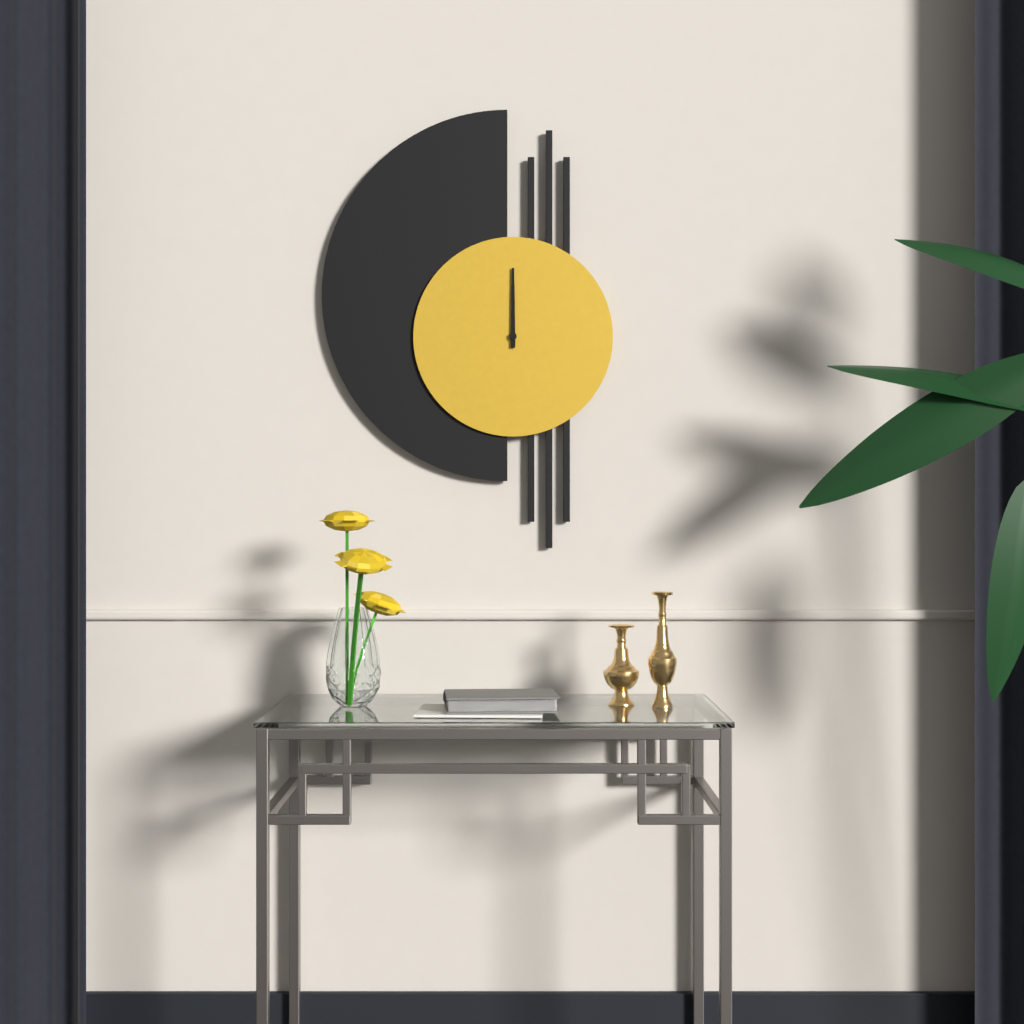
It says 12:00
